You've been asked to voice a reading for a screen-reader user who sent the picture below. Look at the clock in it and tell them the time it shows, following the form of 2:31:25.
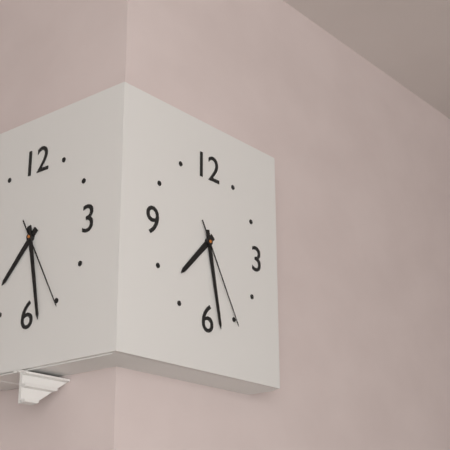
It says 7:28:25
